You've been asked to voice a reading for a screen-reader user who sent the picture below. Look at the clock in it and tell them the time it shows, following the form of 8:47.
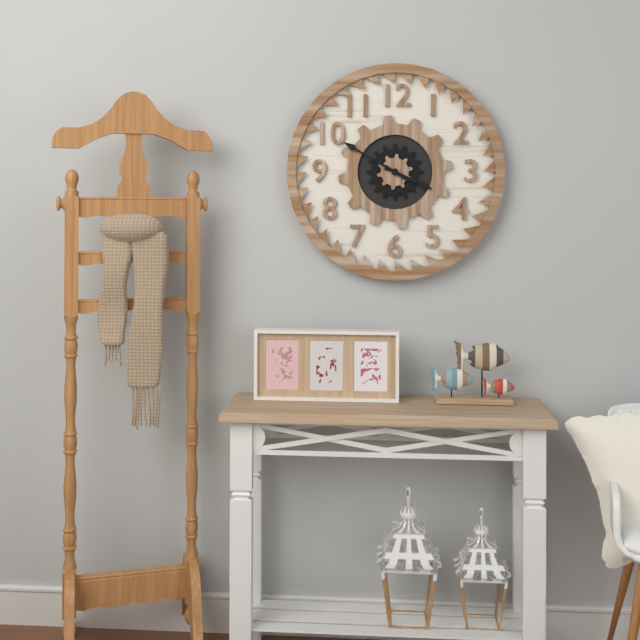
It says 3:50
